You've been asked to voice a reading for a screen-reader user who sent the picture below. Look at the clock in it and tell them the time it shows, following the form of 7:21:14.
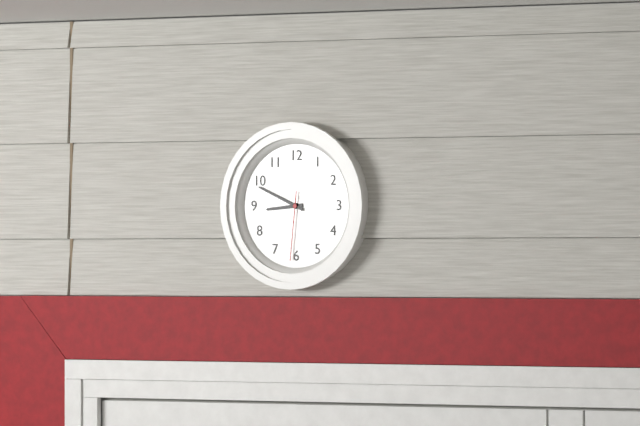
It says 8:49:31
